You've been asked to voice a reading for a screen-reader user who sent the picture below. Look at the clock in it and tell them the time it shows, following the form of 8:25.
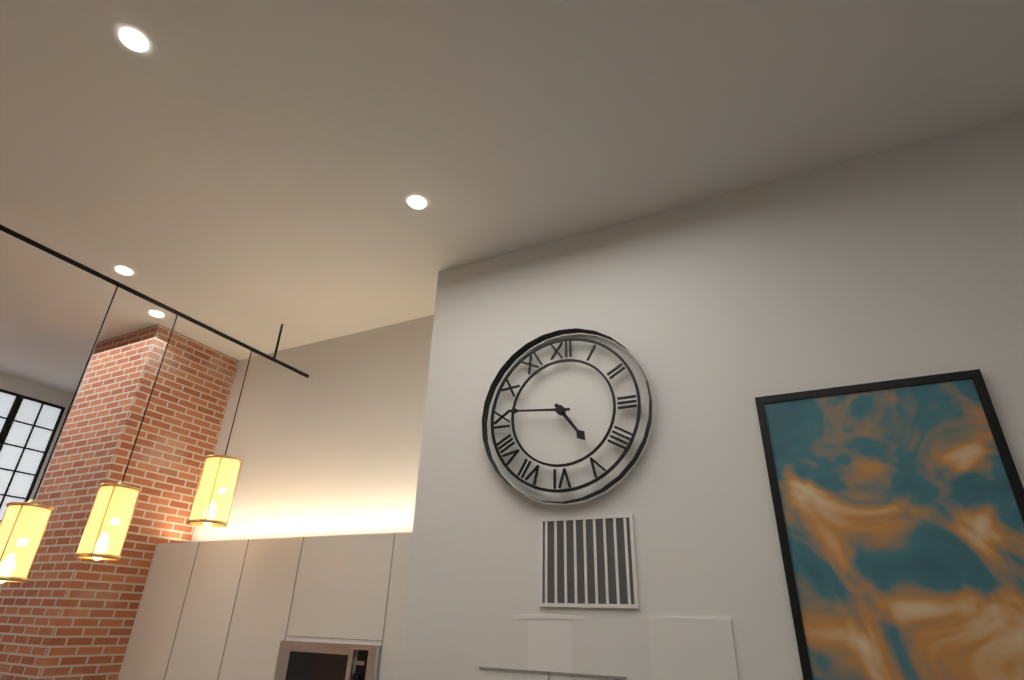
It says 4:46
